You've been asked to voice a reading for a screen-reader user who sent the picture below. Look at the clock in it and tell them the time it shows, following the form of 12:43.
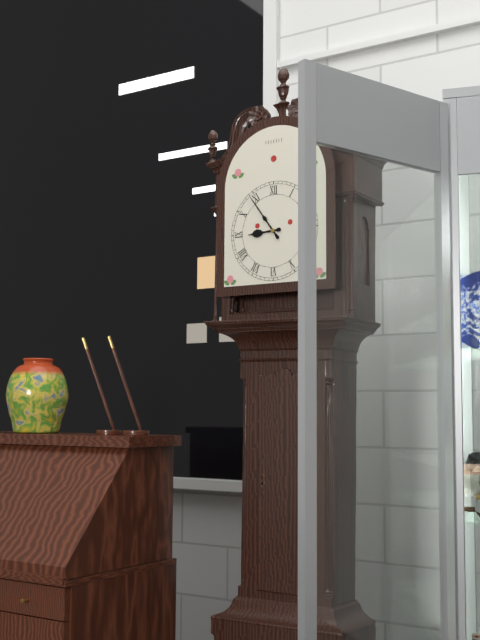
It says 8:54
